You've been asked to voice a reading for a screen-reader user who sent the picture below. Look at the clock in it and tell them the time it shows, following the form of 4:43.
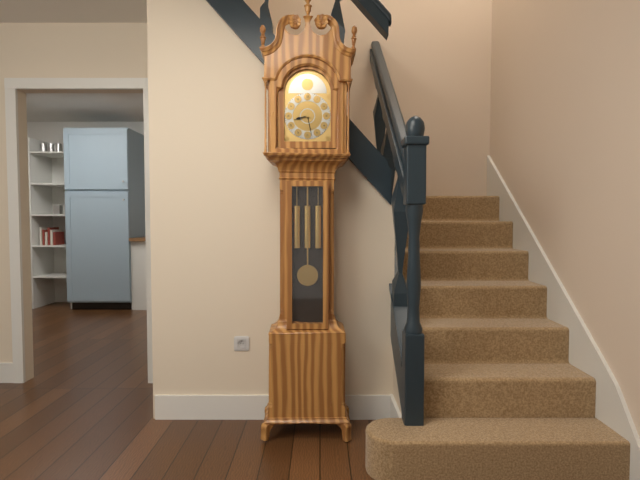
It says 8:28
